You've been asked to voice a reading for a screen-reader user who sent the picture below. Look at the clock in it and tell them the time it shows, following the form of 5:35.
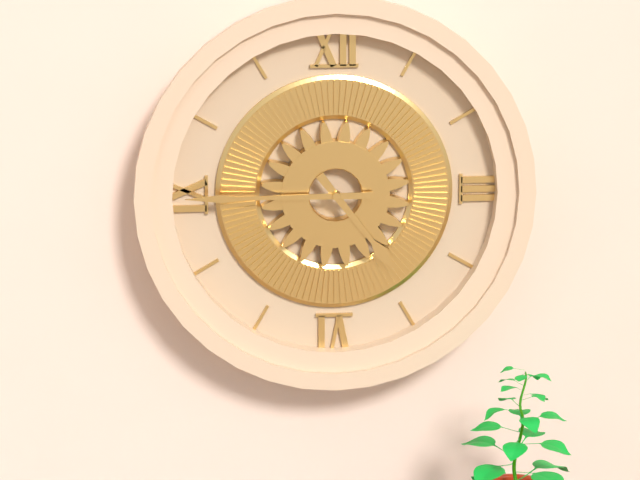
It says 4:45
